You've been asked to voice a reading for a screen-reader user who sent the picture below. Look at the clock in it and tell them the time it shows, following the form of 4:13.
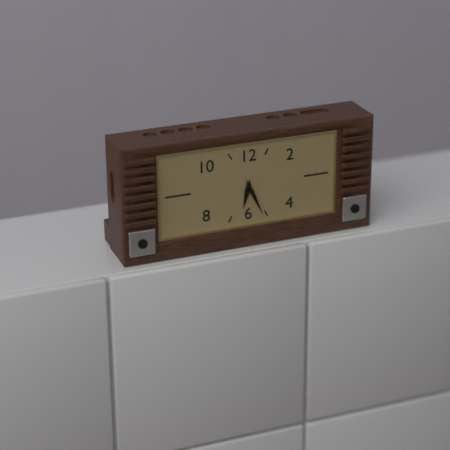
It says 6:26
